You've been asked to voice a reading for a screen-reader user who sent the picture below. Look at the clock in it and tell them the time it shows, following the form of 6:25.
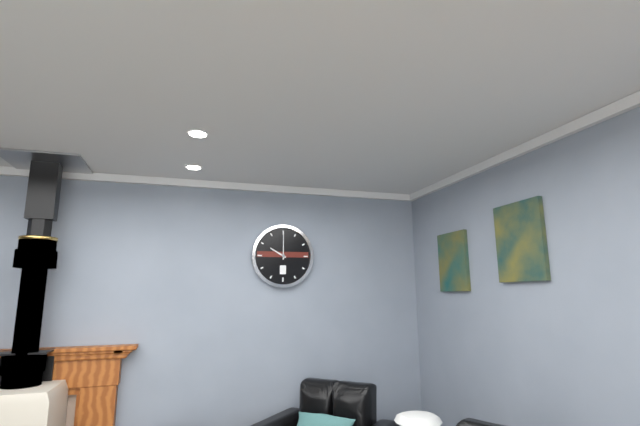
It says 10:00
